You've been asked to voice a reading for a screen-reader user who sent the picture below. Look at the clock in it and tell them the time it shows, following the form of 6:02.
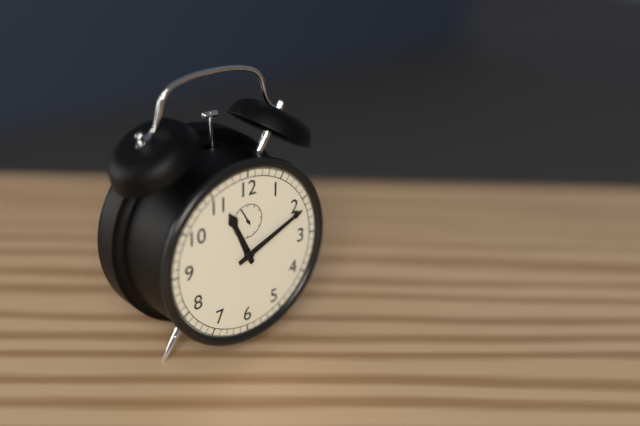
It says 11:11
